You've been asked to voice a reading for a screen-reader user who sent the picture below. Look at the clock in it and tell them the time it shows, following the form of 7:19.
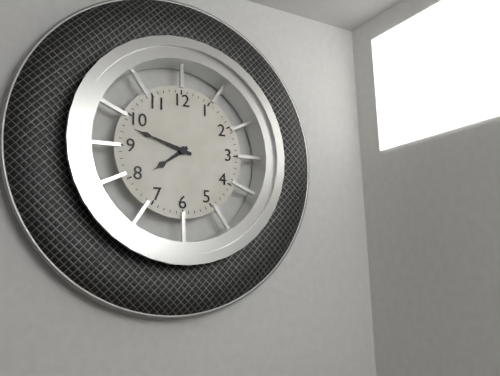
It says 7:48
